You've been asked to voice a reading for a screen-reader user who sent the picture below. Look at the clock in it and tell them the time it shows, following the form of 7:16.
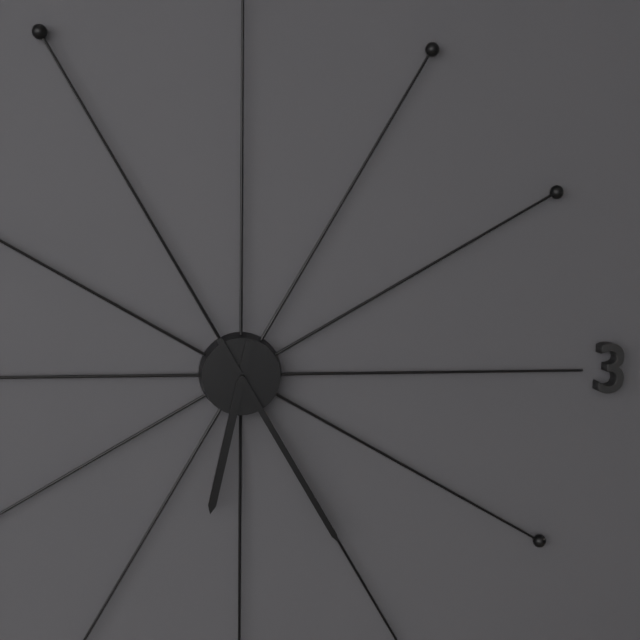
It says 6:25
